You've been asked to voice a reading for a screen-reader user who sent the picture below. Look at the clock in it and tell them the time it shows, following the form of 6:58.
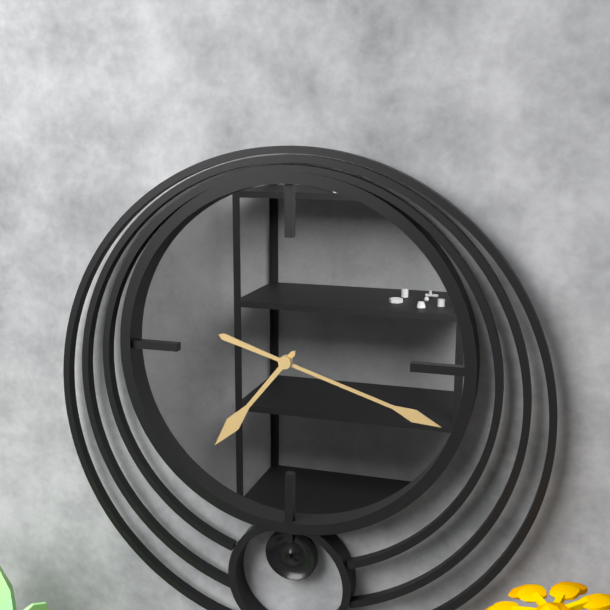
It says 7:18
